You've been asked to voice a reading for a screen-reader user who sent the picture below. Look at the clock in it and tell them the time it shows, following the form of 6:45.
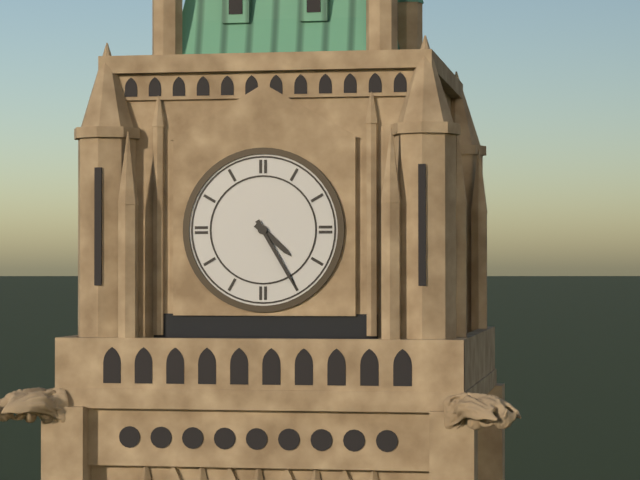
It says 4:25
